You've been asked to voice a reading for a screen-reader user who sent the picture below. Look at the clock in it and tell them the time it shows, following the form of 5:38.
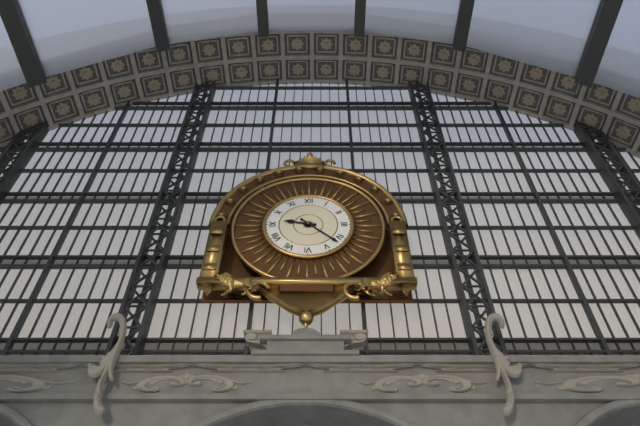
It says 9:22
